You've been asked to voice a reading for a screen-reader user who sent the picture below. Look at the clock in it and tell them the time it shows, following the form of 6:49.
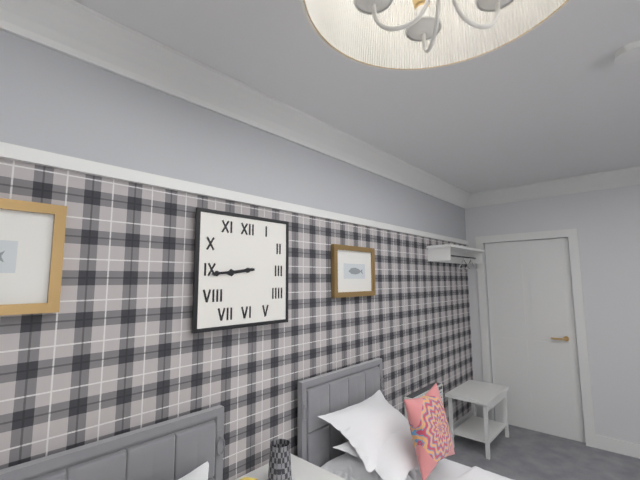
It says 8:44
